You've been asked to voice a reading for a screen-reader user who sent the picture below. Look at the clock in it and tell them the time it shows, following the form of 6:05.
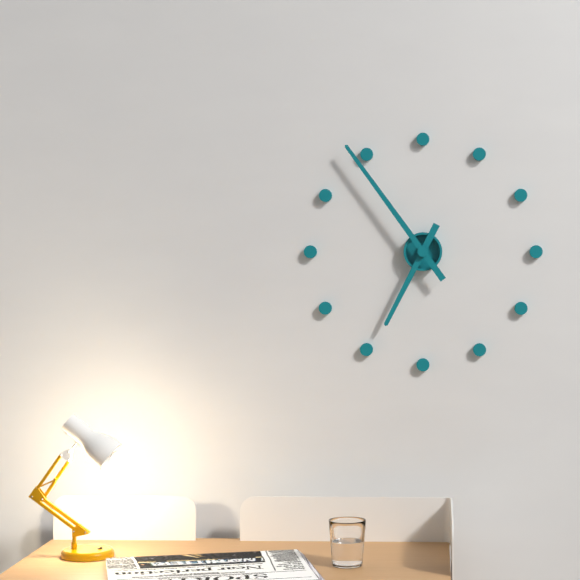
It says 6:54
